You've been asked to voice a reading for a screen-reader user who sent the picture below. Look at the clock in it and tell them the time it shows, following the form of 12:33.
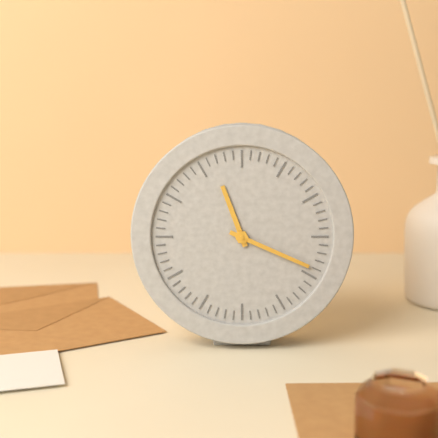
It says 11:19
